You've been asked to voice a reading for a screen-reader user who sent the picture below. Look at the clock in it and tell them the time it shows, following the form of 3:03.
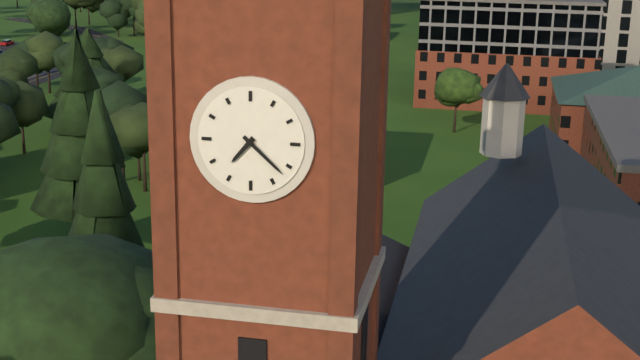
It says 7:22
